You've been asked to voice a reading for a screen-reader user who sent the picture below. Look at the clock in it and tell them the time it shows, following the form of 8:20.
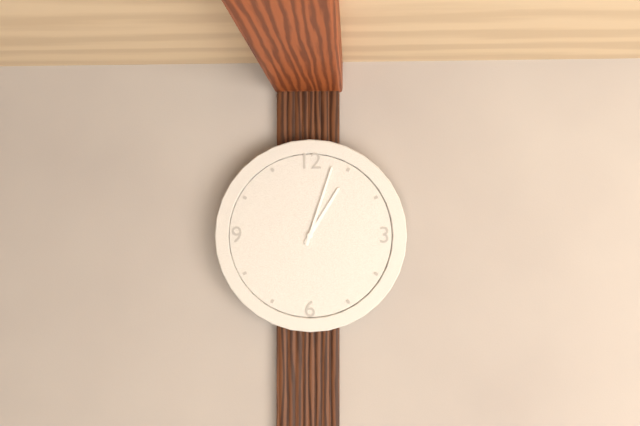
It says 1:03
